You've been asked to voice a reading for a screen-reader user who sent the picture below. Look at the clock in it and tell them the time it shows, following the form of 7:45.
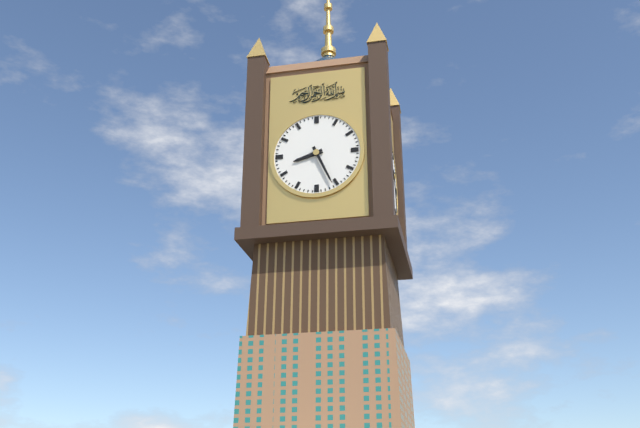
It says 8:26
